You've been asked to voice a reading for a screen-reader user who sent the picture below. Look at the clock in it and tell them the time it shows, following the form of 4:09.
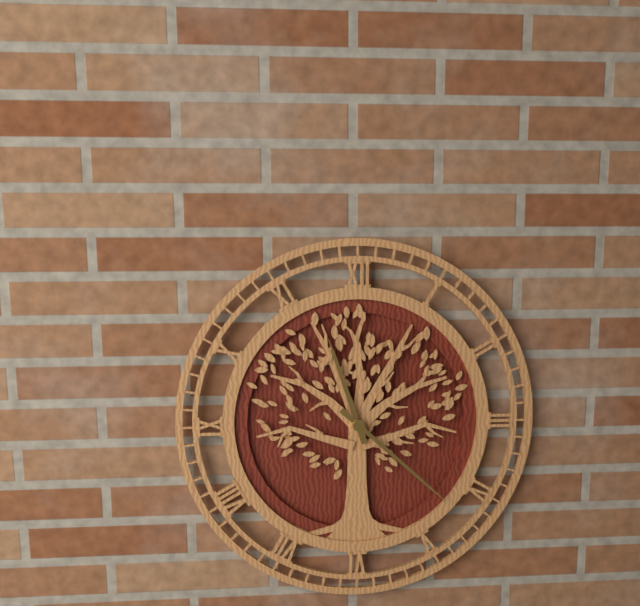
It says 11:22
